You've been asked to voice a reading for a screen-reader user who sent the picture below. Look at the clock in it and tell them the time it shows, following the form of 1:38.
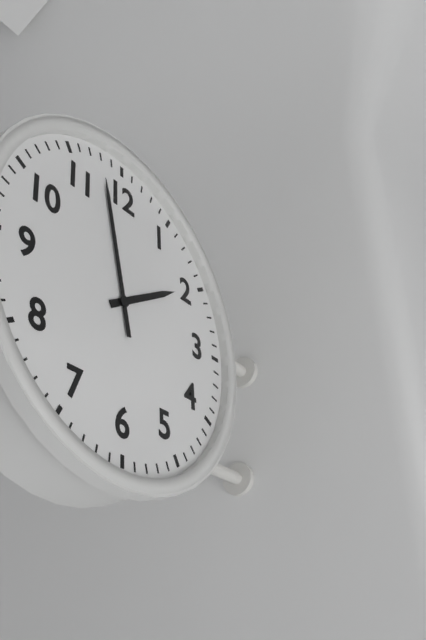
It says 1:58
